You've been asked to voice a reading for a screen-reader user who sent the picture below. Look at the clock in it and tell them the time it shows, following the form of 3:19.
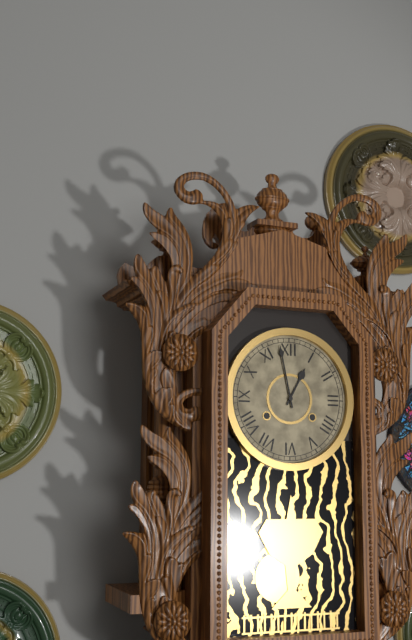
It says 12:58
